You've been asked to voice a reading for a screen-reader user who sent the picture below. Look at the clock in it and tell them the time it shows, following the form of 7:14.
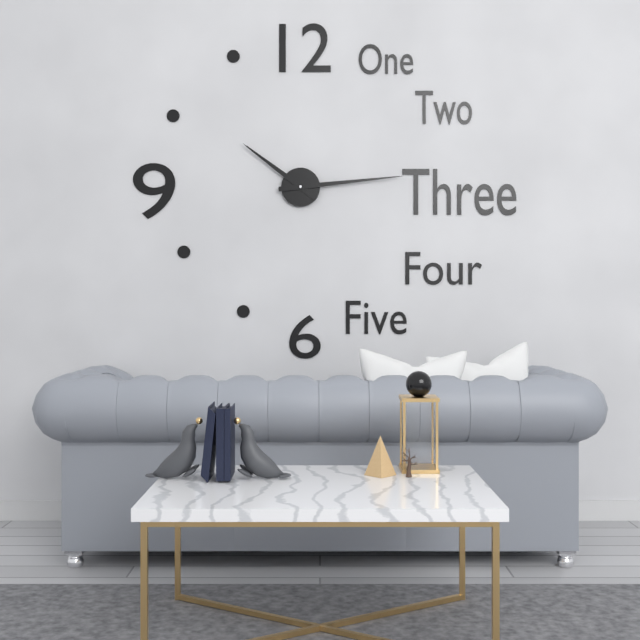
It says 10:14
